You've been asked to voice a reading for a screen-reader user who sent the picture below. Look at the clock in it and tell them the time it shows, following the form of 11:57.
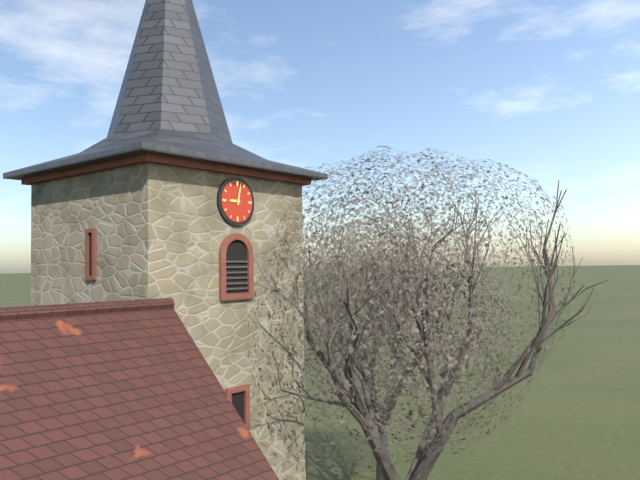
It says 9:02
